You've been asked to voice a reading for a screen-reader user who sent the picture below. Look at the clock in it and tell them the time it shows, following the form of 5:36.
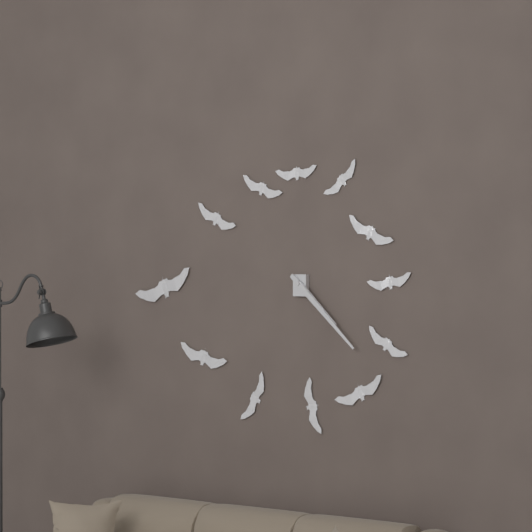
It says 4:22
